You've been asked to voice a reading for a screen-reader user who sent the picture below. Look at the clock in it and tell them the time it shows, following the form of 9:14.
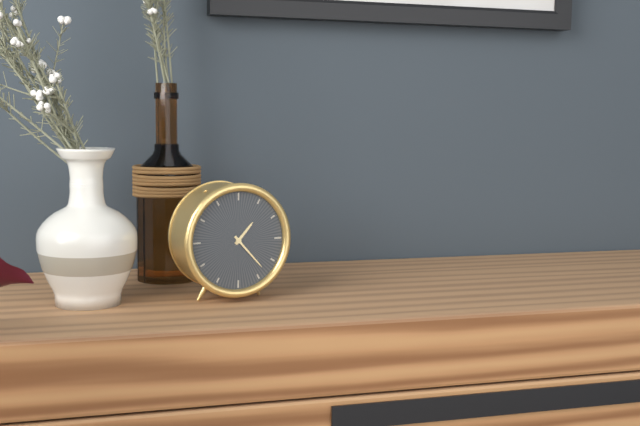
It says 1:23
